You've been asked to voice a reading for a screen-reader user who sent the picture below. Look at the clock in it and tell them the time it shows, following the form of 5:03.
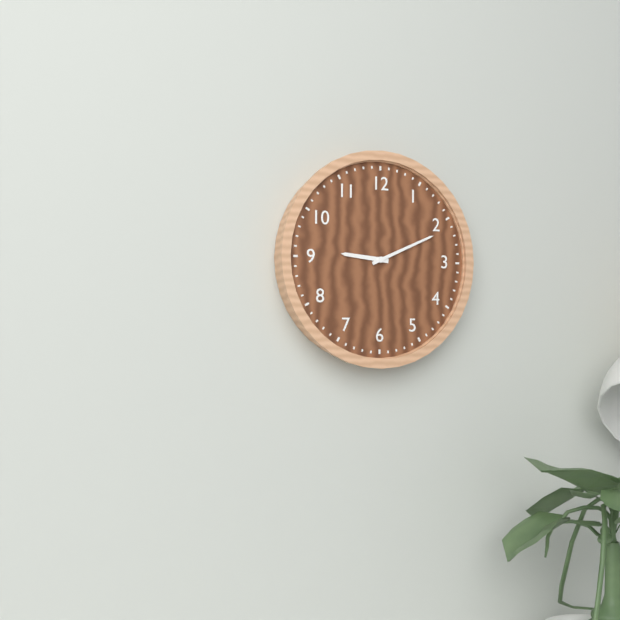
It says 9:11
